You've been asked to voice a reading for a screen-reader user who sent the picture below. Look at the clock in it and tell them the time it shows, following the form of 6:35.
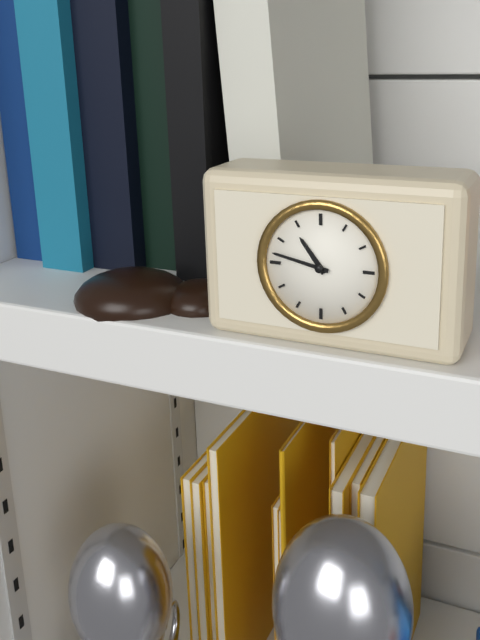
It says 10:47
